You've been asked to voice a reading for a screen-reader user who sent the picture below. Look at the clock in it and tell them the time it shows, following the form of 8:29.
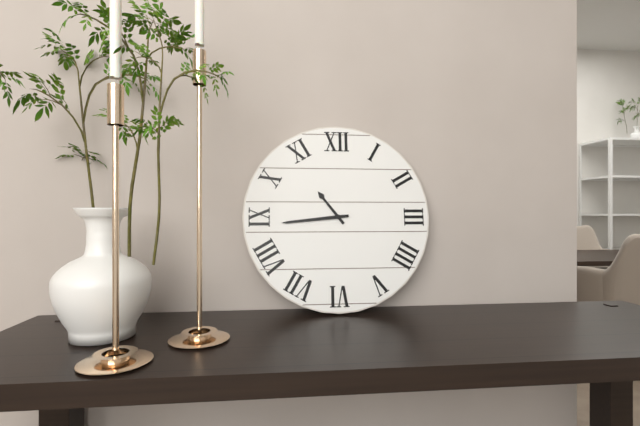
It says 10:44
